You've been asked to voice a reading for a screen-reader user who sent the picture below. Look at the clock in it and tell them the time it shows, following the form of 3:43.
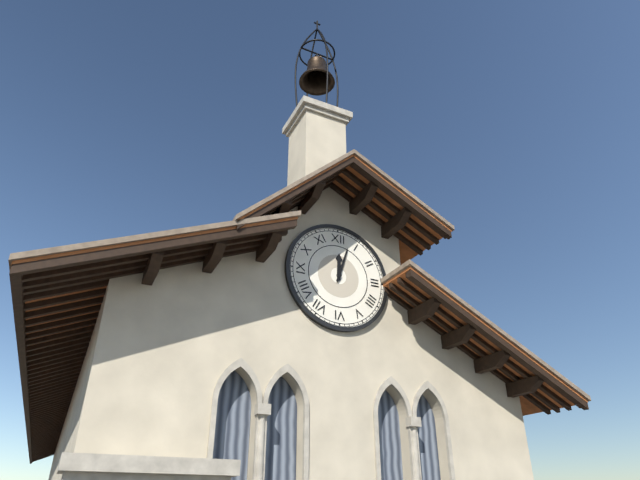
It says 12:03
